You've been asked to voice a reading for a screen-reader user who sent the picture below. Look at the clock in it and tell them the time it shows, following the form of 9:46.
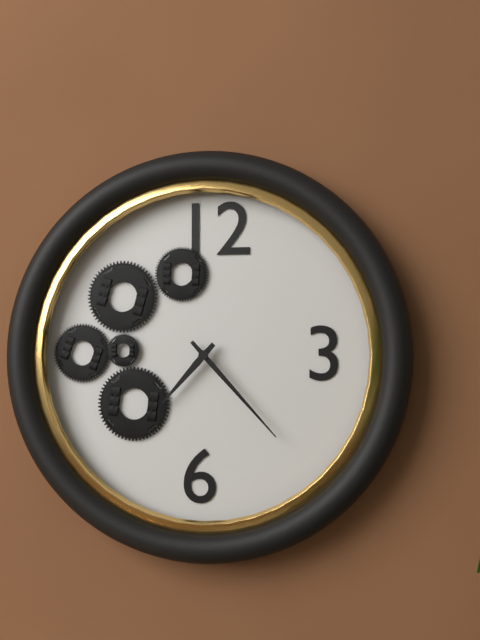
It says 7:23
